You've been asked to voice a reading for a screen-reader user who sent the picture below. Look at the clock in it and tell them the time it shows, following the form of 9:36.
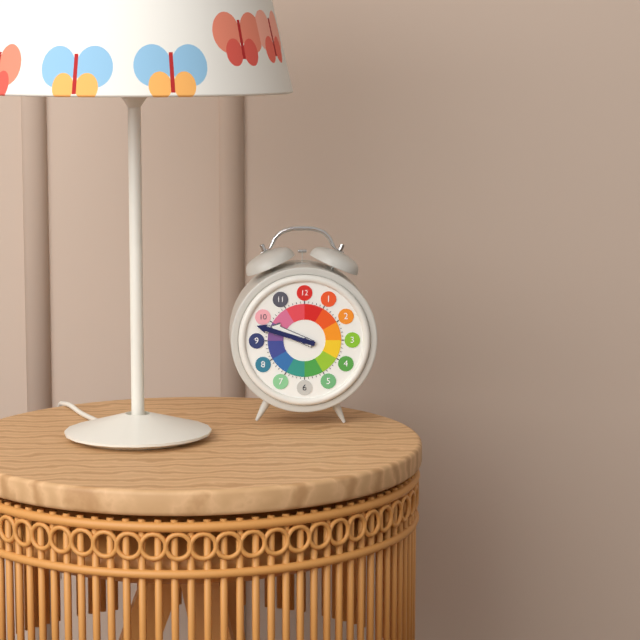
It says 9:48
